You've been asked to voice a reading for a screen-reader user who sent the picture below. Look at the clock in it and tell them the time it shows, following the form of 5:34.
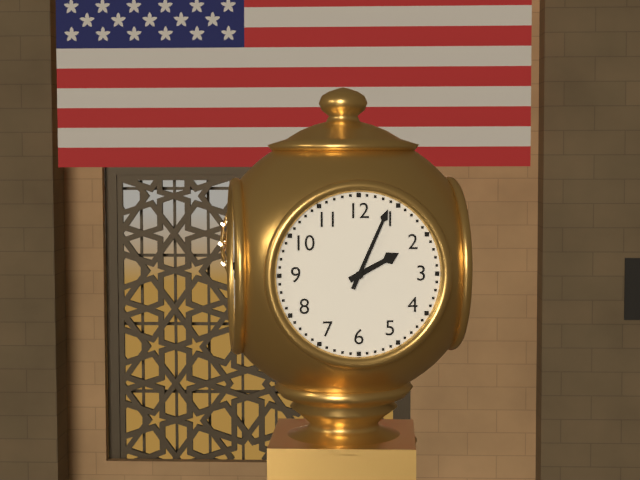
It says 2:04
